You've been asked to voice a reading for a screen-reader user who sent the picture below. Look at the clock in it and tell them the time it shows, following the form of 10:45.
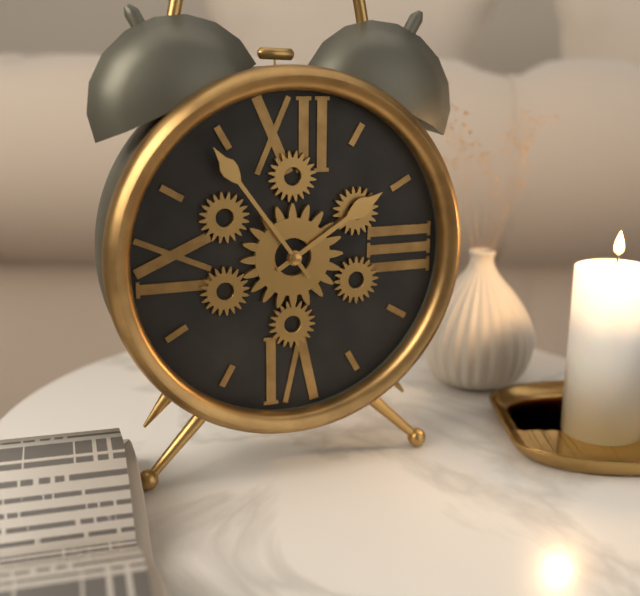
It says 1:54
